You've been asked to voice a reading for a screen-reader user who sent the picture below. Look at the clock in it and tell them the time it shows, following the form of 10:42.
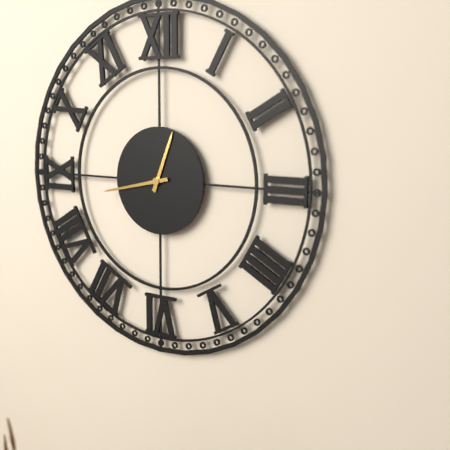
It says 12:43
